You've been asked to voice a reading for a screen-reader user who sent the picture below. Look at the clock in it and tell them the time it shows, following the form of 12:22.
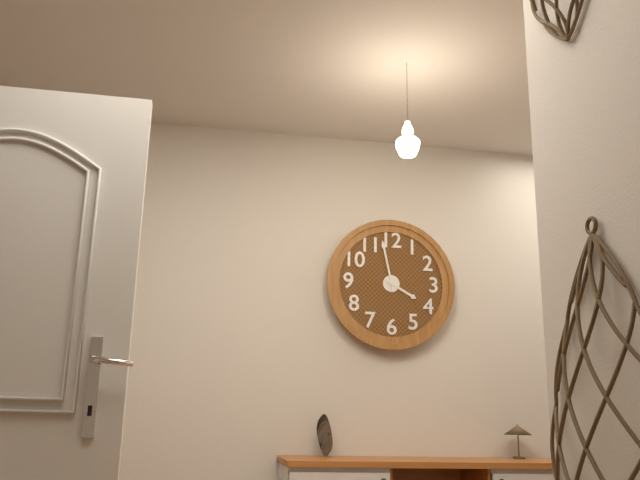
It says 3:58
